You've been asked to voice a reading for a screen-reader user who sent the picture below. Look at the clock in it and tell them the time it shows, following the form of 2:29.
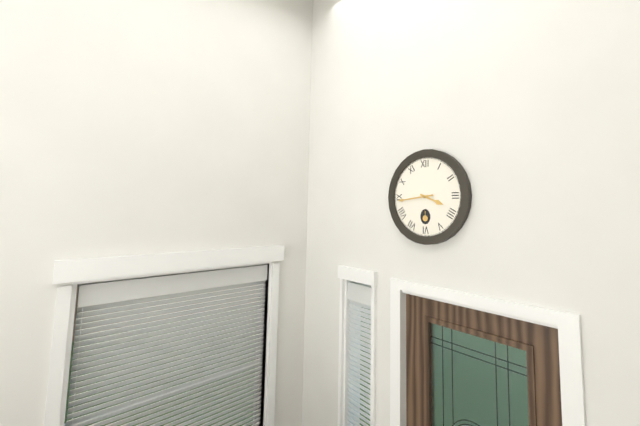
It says 3:44
